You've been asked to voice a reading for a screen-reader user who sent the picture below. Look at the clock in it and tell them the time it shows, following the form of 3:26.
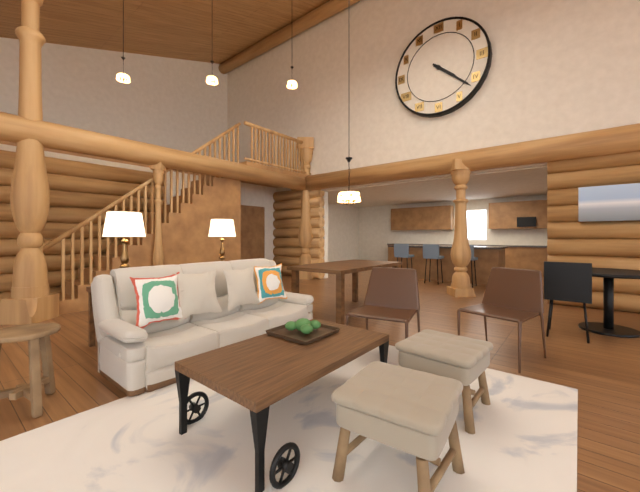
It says 4:22
